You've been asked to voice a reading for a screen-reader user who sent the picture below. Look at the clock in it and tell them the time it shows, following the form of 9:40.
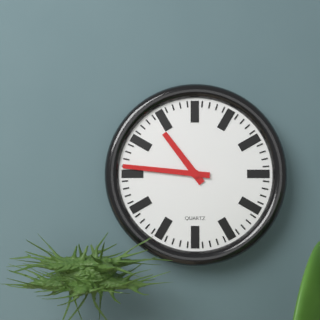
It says 10:46
